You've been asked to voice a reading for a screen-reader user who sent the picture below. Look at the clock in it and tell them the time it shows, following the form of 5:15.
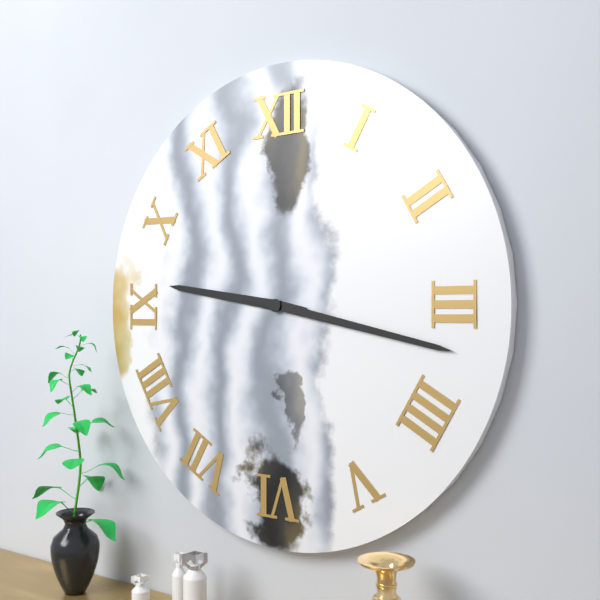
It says 9:17
